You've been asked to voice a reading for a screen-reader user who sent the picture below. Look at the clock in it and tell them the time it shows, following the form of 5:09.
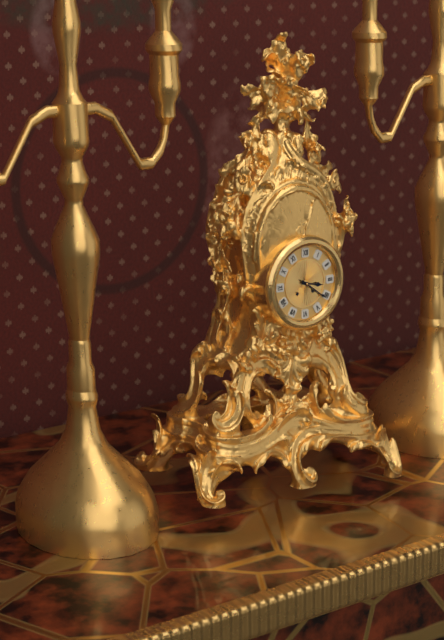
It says 3:21
